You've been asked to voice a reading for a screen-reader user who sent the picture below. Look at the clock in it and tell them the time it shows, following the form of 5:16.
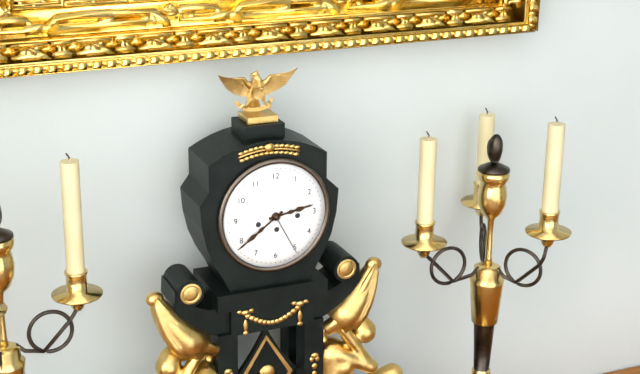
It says 2:39
